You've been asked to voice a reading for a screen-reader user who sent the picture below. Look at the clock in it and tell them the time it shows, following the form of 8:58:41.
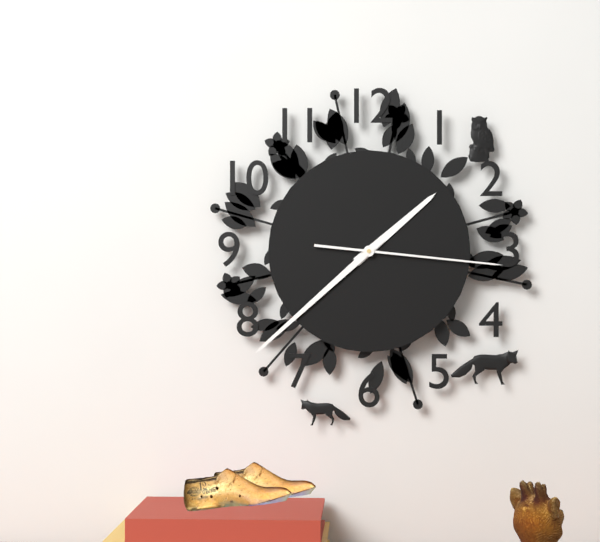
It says 1:38:16
